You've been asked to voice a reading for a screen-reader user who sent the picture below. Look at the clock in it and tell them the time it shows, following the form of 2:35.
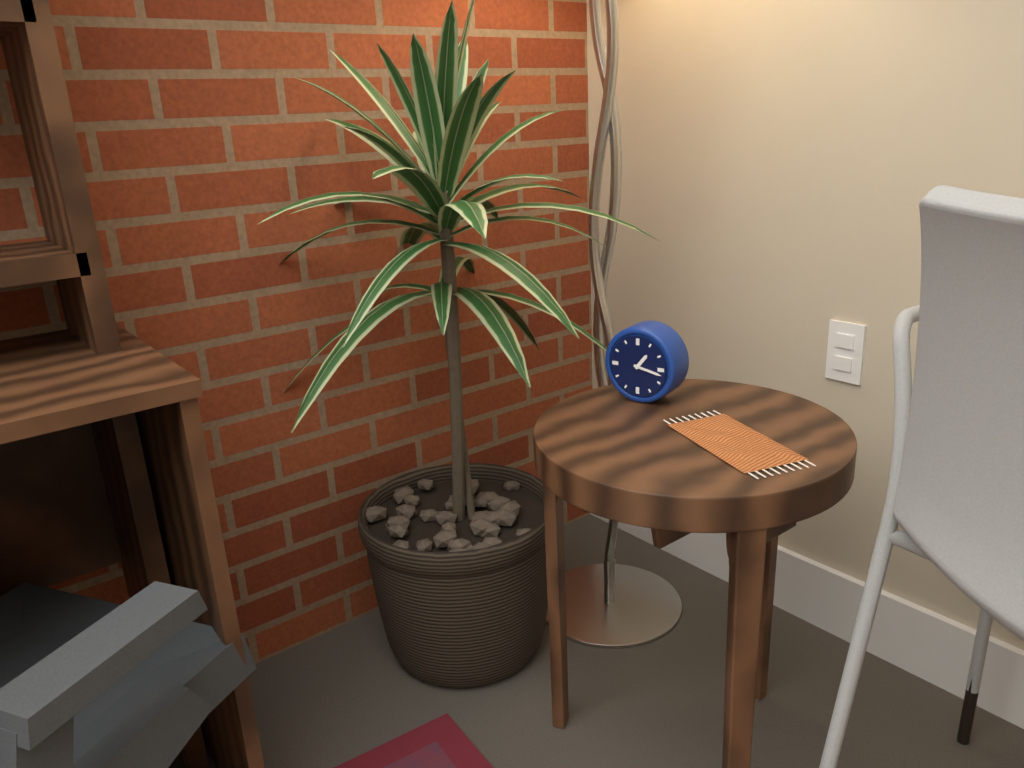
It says 1:17
